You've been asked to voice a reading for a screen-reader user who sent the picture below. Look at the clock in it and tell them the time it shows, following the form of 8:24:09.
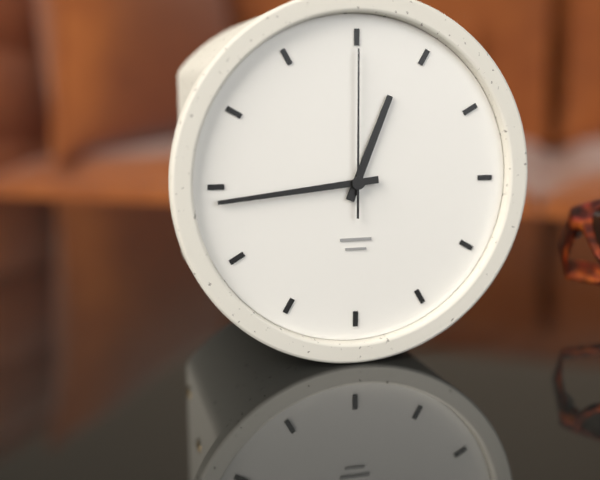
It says 12:44:00
